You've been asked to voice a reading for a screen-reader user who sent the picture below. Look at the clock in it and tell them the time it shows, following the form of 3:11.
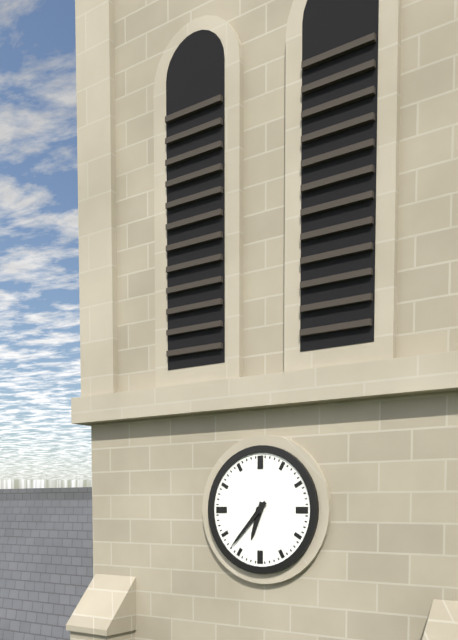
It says 6:37
